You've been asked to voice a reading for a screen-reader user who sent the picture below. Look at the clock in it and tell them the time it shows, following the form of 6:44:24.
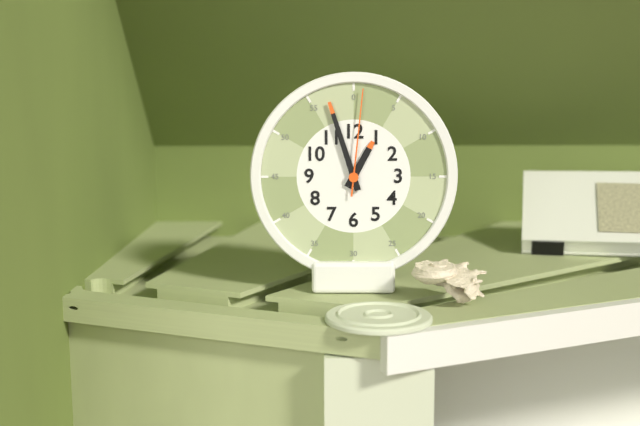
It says 12:57:01
